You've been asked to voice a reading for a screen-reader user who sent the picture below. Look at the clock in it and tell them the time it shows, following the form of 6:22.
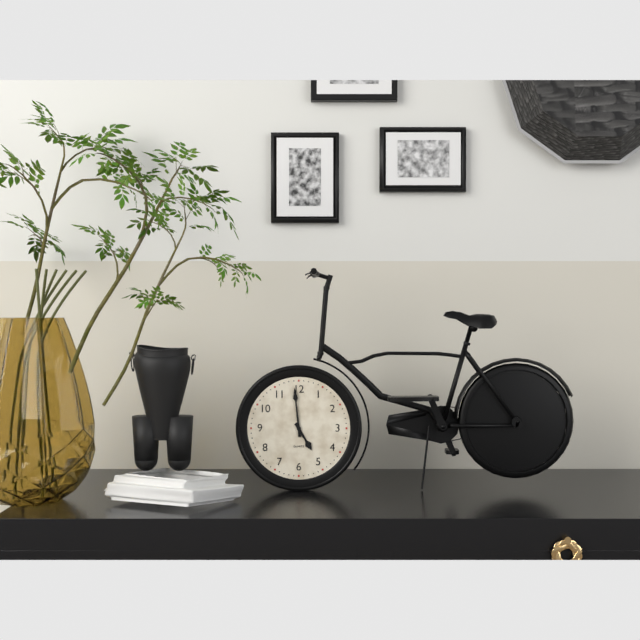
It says 4:59
